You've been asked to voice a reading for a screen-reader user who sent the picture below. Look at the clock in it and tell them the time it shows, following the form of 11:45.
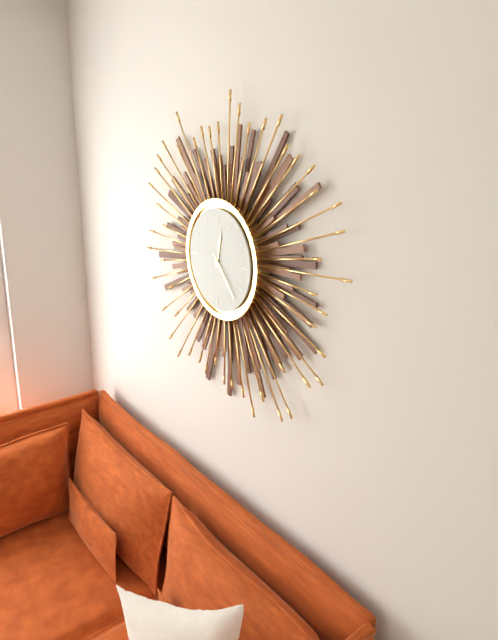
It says 12:23
